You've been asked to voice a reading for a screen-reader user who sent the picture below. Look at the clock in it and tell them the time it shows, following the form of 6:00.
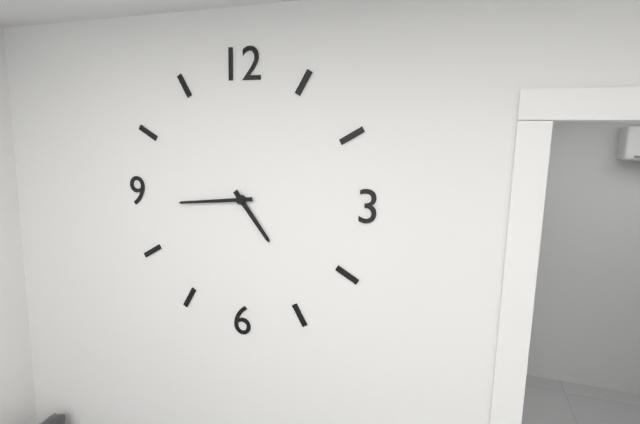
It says 4:44
